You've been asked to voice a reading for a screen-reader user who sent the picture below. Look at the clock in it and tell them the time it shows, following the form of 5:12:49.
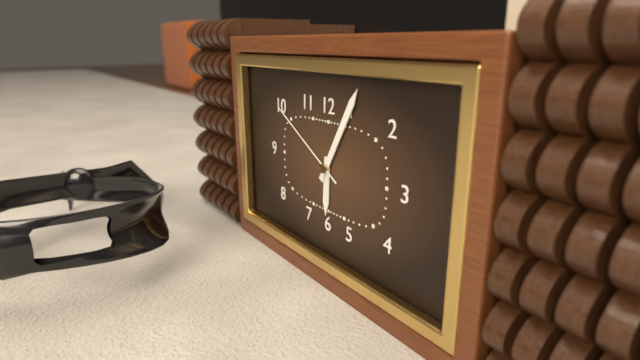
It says 6:05:50
